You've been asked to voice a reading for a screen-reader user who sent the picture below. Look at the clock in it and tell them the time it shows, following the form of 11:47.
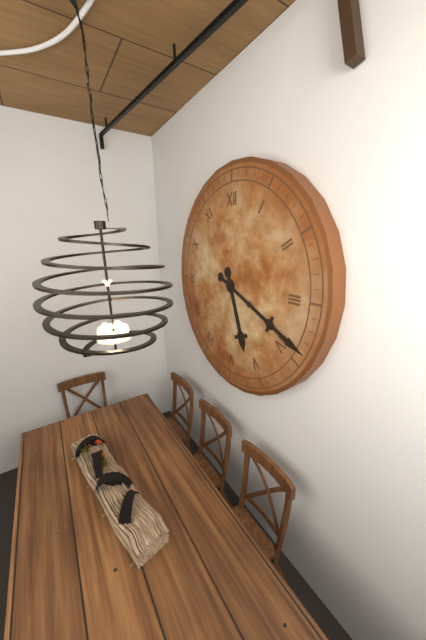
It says 5:19
